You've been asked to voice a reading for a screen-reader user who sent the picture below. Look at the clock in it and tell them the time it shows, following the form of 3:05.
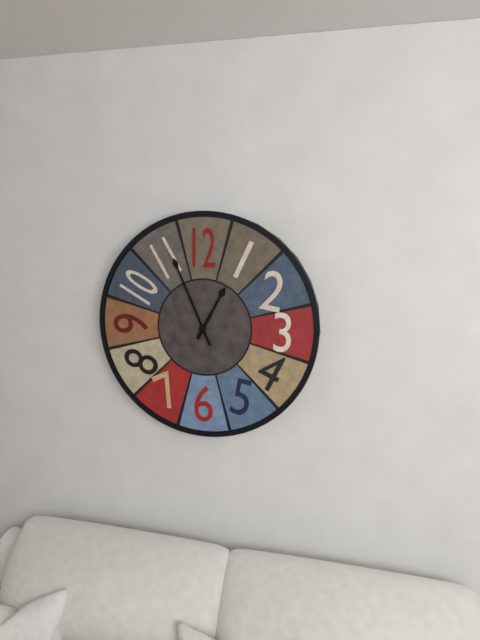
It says 12:56
